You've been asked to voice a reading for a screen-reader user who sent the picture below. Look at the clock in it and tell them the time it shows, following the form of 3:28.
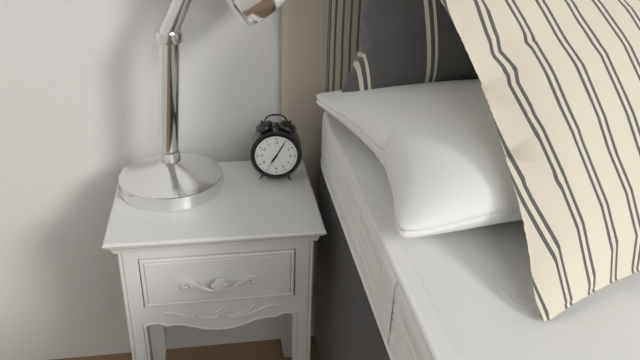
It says 7:05
